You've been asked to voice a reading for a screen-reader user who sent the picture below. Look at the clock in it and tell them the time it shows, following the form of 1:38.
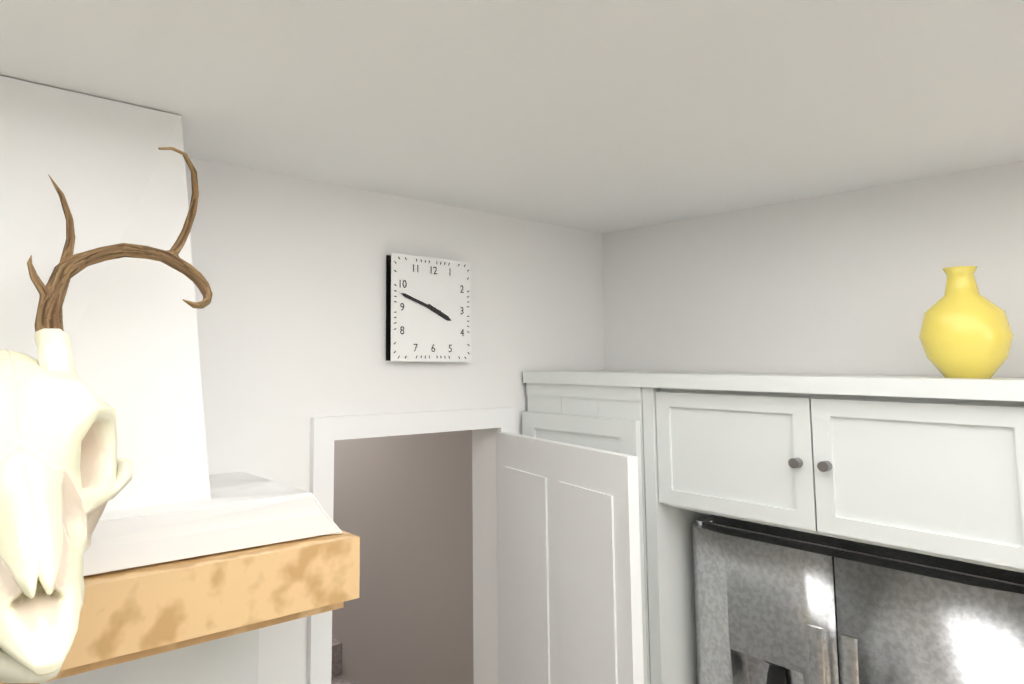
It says 3:48
